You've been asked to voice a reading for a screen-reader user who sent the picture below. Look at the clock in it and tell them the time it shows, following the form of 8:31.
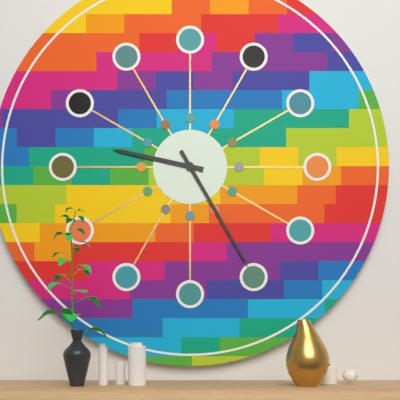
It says 9:25
